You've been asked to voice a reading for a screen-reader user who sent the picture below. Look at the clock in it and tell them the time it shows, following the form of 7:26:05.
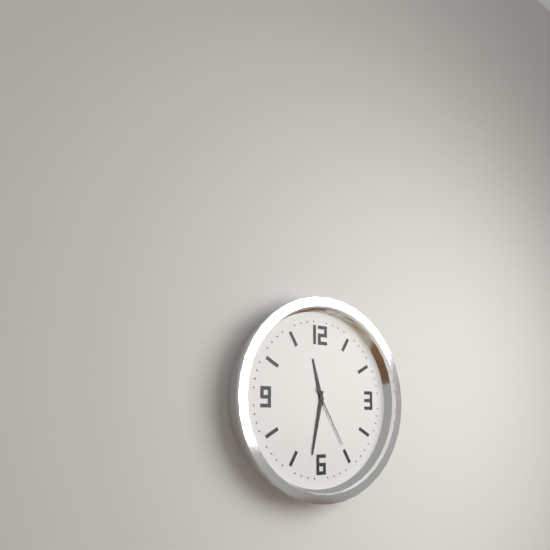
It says 11:32:25
